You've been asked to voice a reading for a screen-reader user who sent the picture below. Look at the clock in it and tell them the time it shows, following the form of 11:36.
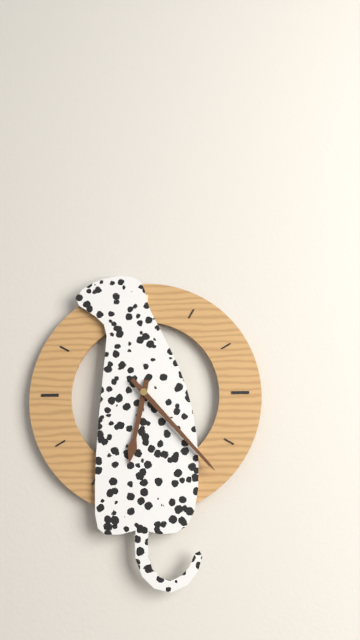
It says 6:23
